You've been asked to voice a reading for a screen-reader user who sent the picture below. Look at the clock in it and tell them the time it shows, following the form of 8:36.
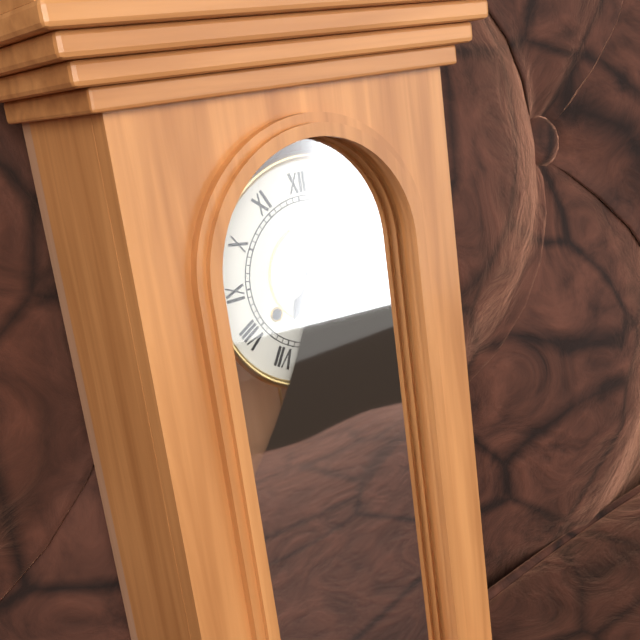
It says 7:05
